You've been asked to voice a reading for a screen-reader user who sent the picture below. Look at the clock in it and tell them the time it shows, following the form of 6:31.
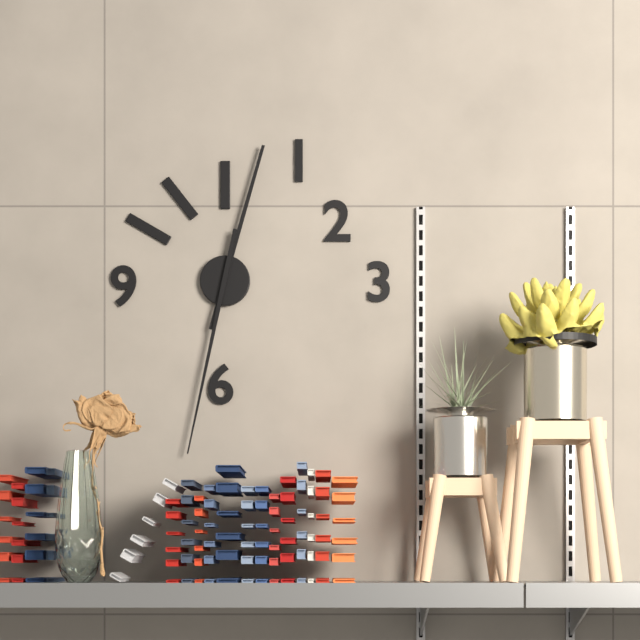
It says 12:32
